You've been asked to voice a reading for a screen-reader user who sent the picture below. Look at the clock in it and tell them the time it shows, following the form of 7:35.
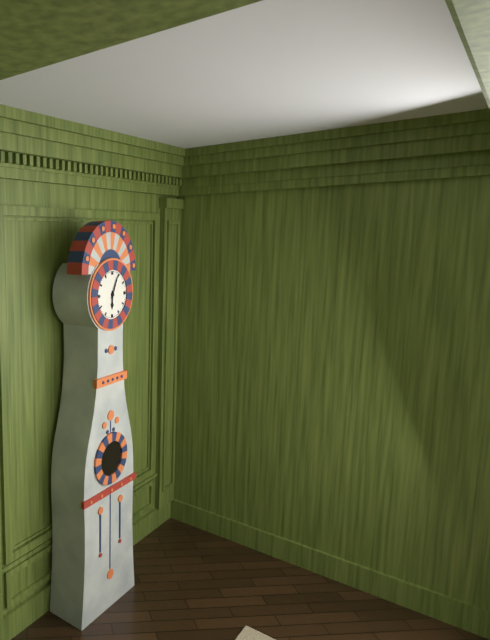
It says 6:04
